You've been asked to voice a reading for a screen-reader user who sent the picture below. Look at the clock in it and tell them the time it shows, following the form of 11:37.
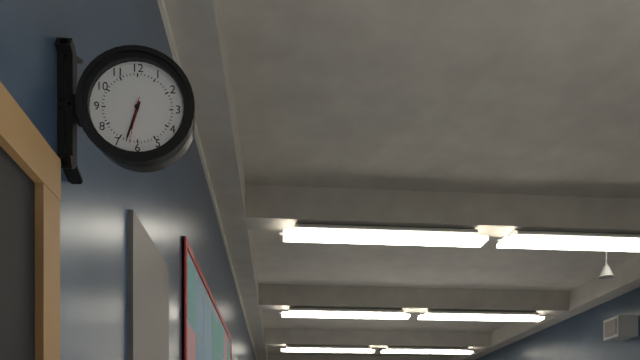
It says 6:33
